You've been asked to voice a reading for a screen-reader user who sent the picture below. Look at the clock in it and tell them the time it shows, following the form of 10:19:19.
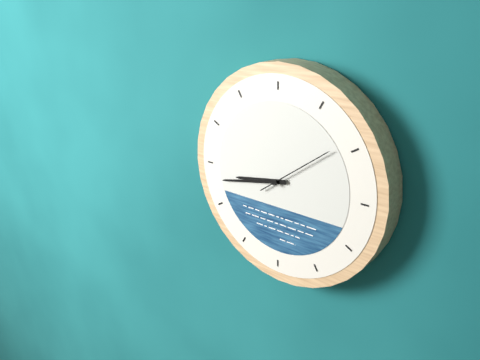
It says 8:43:09
